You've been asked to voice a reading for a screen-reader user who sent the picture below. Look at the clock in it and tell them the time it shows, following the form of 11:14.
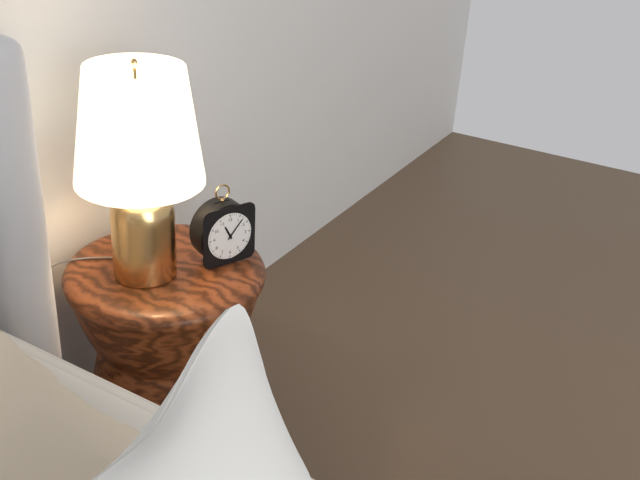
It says 11:07
